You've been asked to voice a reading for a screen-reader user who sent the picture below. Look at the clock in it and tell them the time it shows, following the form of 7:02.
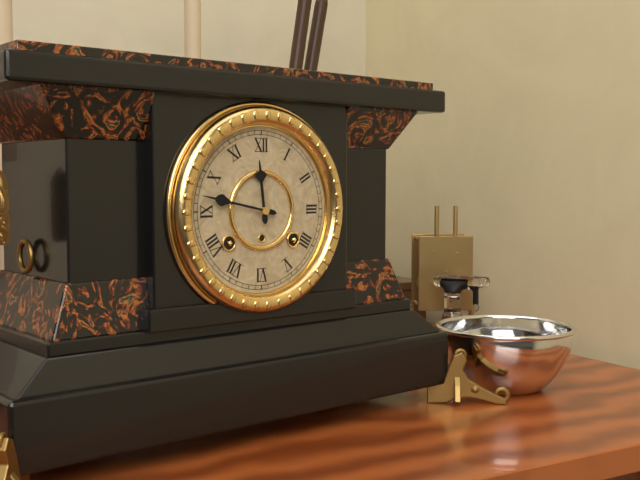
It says 11:47
